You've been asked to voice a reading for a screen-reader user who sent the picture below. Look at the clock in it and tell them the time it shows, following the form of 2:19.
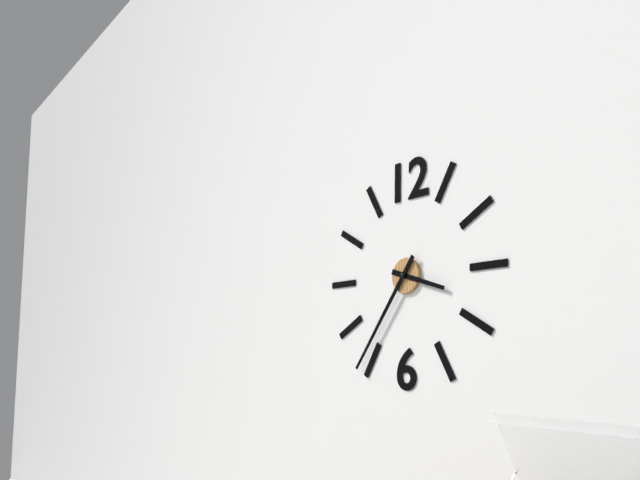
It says 3:36
